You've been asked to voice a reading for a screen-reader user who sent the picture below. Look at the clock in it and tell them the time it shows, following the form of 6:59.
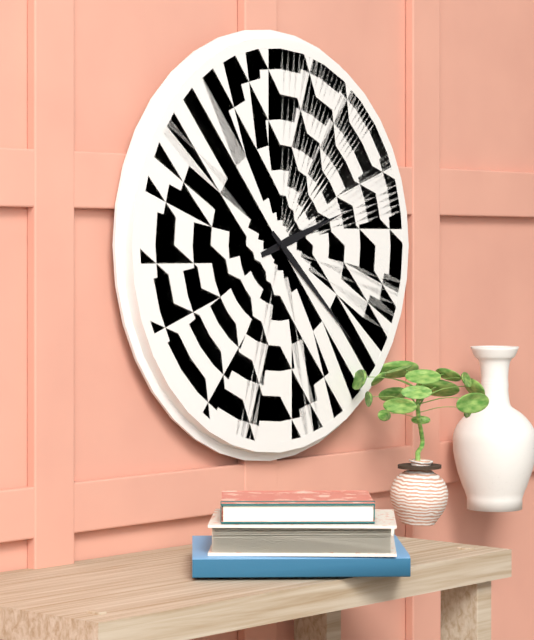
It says 2:22
